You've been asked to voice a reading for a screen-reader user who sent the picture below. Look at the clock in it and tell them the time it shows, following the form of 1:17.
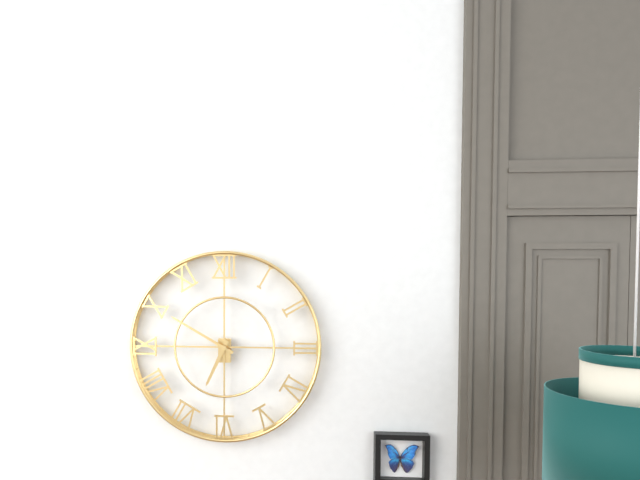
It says 6:50
